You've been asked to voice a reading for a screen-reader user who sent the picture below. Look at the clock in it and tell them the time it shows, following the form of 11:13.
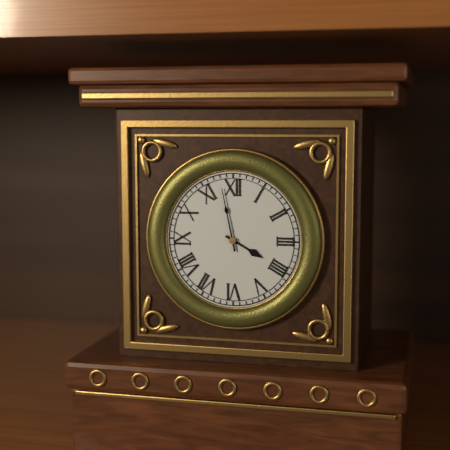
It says 3:58
